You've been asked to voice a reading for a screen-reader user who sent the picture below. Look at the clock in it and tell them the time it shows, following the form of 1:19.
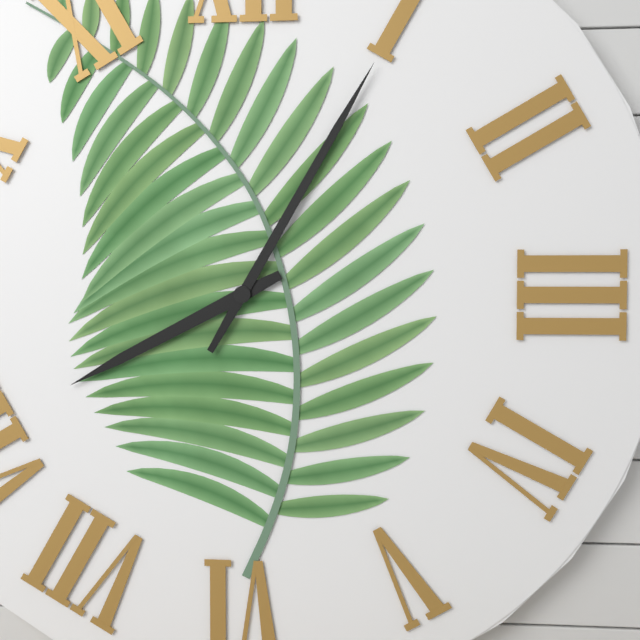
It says 8:05
